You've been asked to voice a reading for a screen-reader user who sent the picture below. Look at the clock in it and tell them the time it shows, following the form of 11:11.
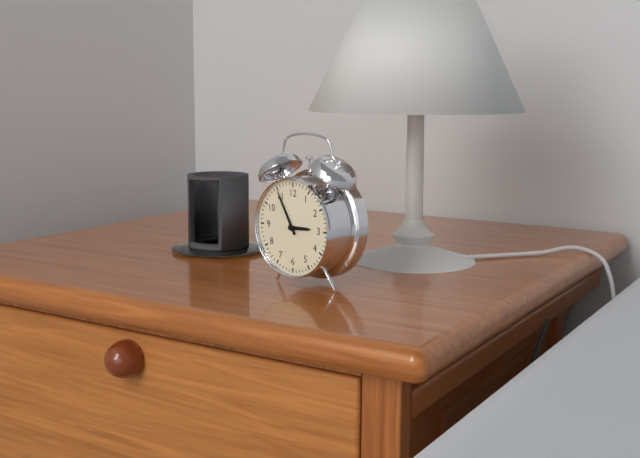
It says 2:55
